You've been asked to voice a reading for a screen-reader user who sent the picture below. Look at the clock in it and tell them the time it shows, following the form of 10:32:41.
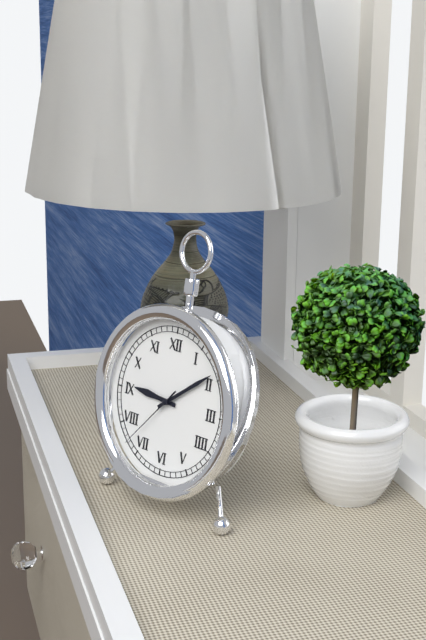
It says 9:09:37
